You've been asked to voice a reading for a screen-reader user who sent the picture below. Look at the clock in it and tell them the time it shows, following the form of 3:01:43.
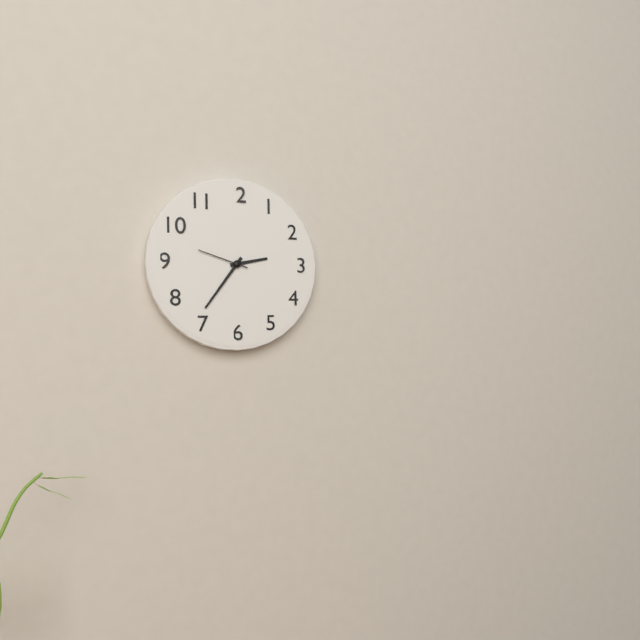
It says 2:36:48
